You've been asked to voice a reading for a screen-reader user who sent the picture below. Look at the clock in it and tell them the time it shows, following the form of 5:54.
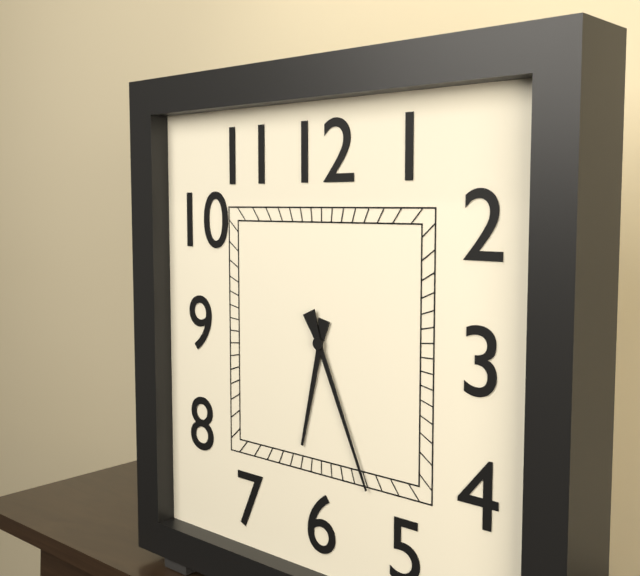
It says 6:26
